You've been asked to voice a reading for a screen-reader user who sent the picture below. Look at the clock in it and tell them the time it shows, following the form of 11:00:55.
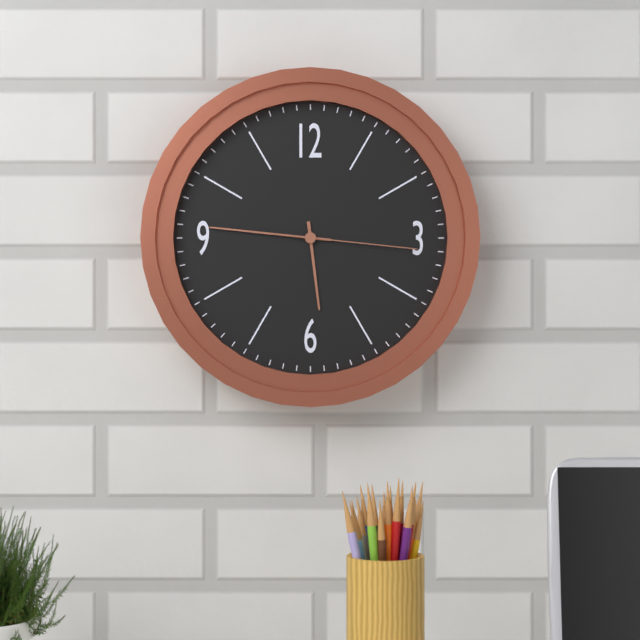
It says 5:46:16
